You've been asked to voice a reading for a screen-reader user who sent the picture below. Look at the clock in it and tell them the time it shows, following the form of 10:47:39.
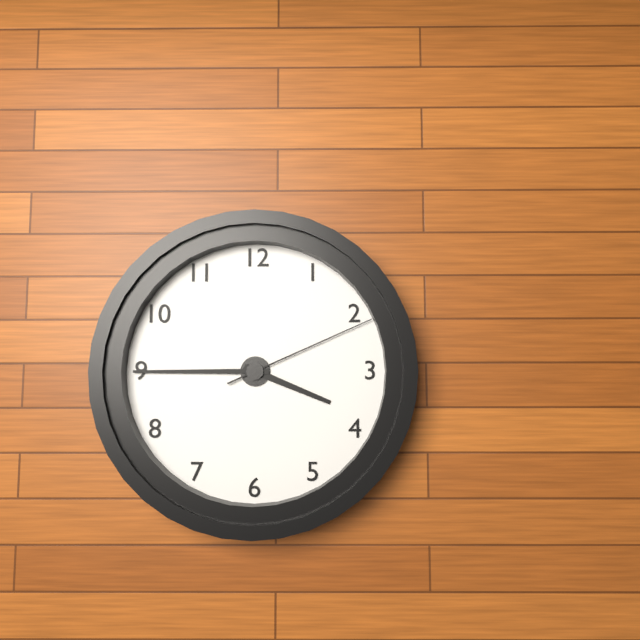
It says 3:45:11
